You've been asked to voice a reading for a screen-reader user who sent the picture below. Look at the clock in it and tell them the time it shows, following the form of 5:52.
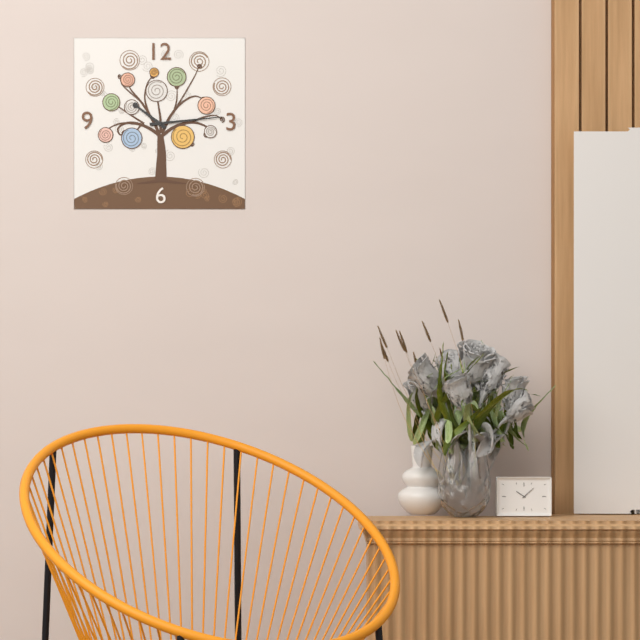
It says 10:14
